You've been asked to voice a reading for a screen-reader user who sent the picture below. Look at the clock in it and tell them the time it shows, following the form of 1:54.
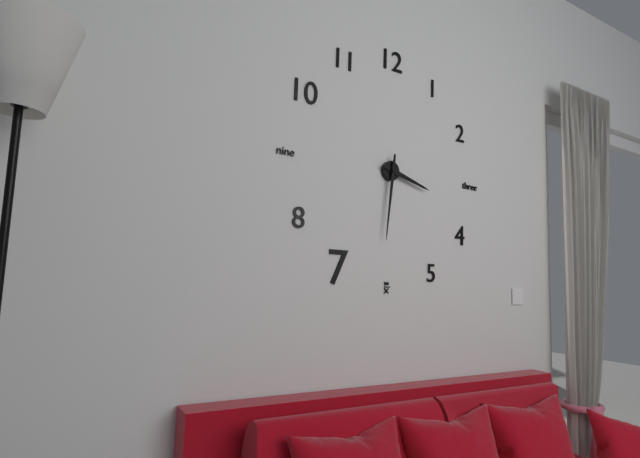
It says 3:31
